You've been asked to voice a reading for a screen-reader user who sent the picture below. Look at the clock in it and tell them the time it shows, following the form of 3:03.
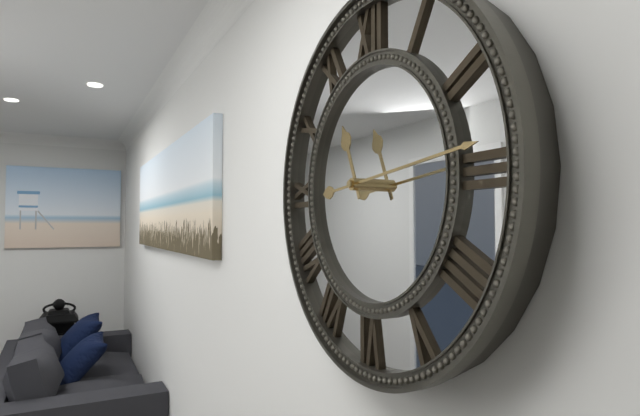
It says 11:14
